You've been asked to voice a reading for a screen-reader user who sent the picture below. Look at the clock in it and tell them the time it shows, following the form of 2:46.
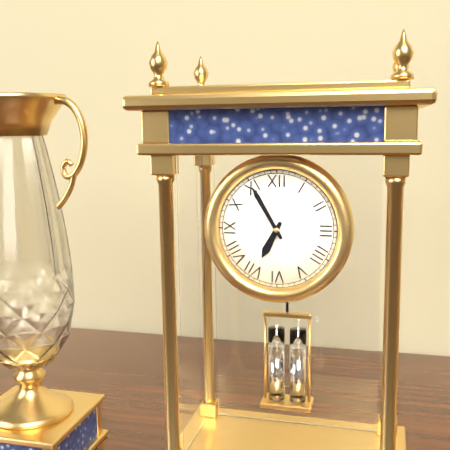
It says 6:55
